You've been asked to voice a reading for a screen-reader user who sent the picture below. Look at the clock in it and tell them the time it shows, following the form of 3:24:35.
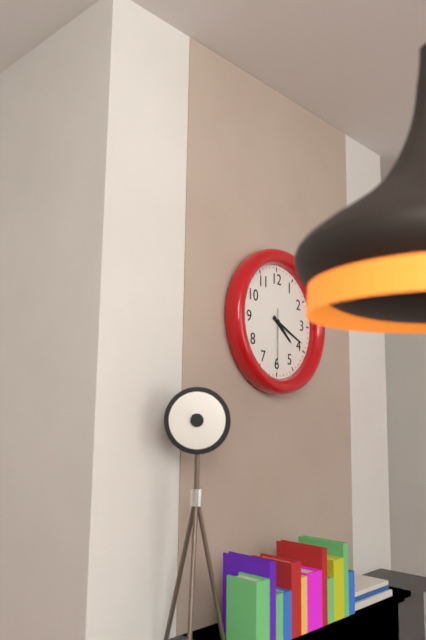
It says 4:19:30
